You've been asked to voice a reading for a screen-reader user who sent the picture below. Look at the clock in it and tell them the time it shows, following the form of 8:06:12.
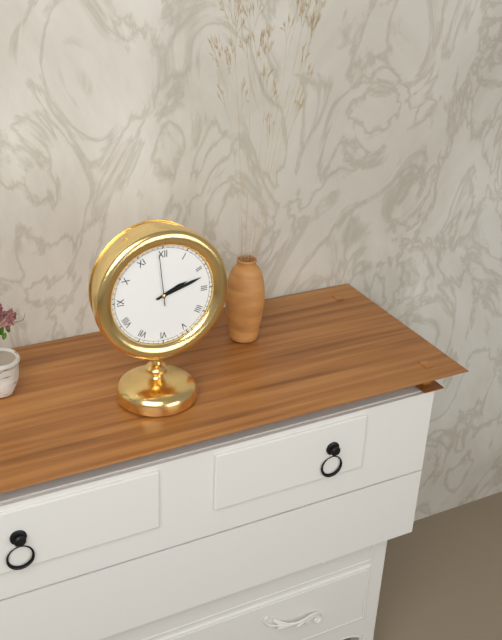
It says 2:12:59
